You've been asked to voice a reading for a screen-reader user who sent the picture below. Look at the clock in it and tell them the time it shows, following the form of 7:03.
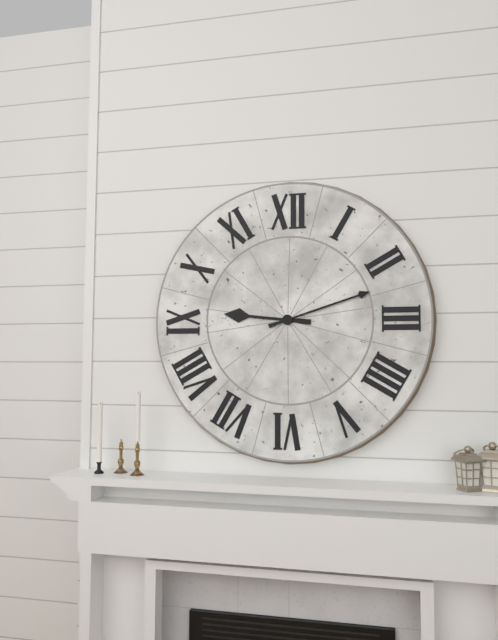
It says 9:12
